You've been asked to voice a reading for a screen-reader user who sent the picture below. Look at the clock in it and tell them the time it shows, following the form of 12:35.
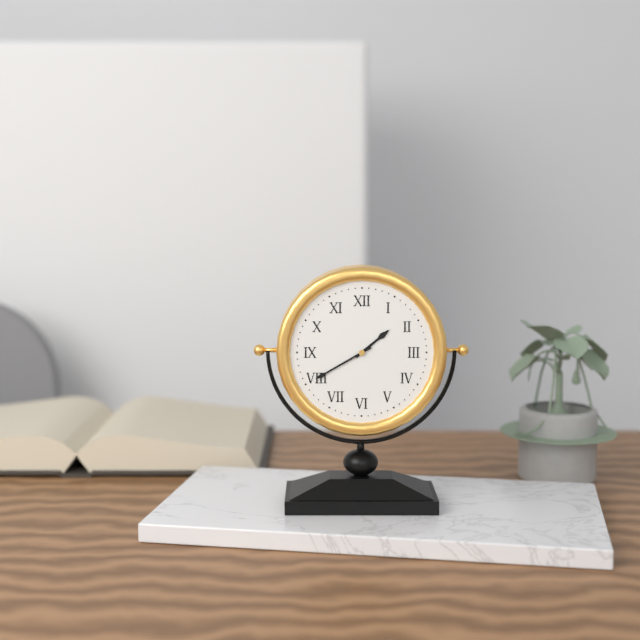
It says 1:40
